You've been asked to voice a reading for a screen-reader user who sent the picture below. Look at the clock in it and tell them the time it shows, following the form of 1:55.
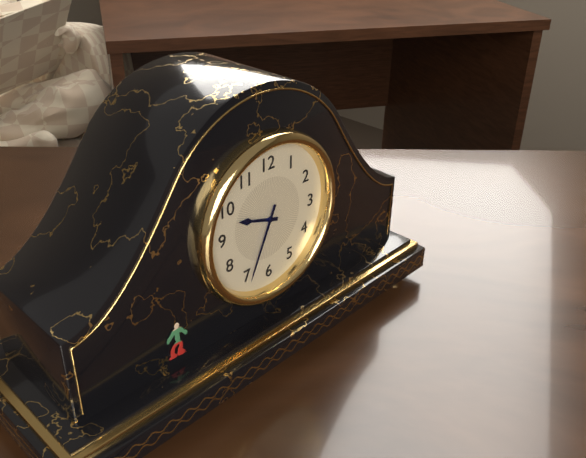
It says 9:34
